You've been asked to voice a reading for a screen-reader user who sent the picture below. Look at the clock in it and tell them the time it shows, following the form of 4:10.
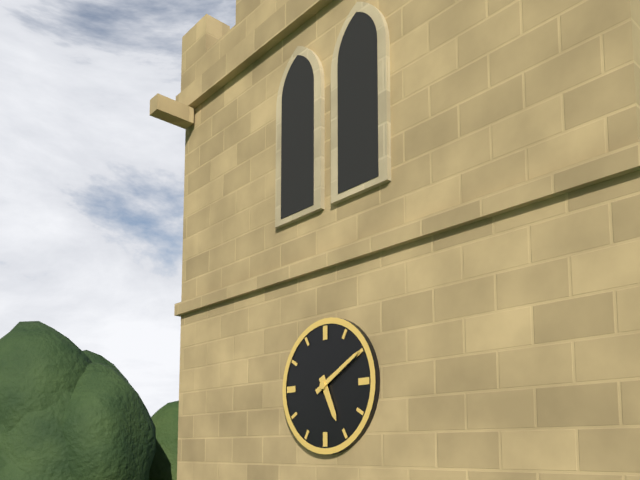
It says 5:10
